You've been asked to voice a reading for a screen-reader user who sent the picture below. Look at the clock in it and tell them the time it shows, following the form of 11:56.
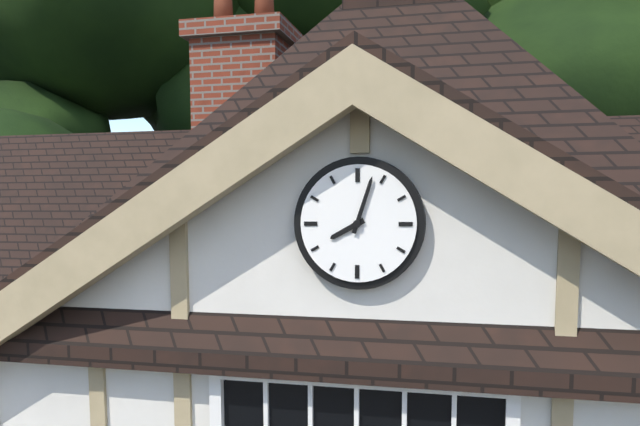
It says 8:03
